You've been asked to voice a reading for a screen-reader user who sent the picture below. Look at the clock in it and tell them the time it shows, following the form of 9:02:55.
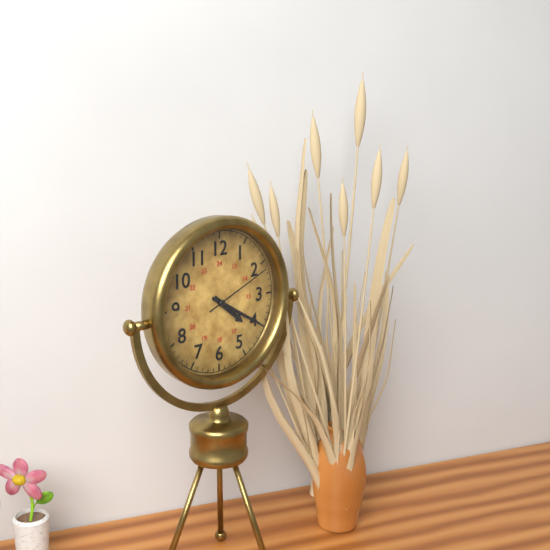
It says 4:20:11
